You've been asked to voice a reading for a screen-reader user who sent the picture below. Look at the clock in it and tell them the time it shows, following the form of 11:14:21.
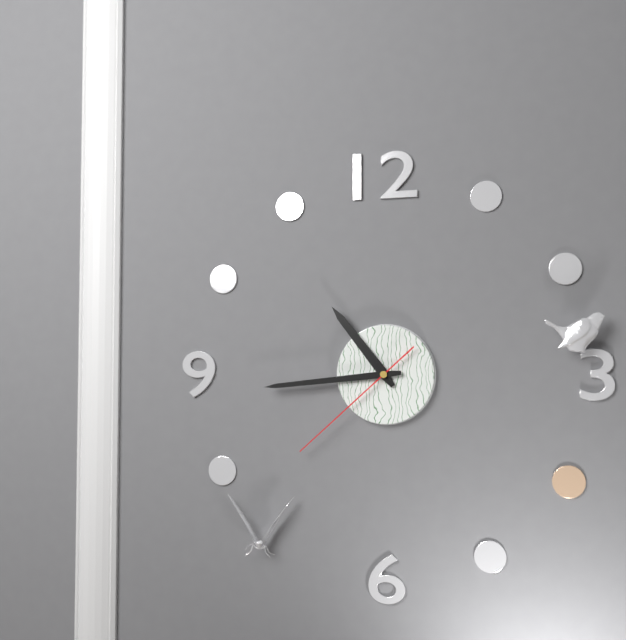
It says 10:44:38
